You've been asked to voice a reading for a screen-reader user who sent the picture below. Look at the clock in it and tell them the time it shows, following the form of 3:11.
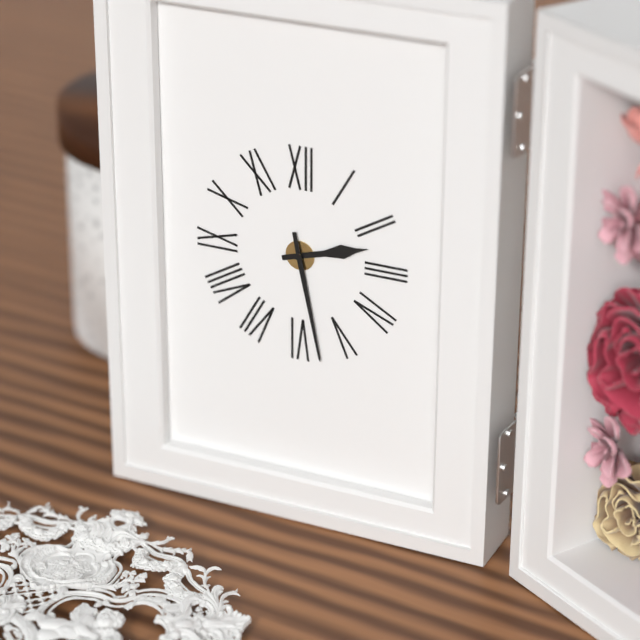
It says 2:28
